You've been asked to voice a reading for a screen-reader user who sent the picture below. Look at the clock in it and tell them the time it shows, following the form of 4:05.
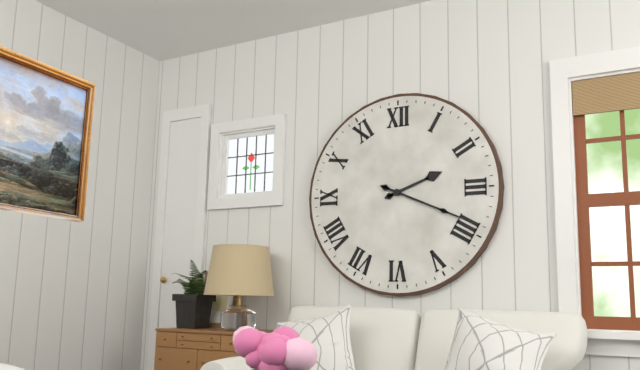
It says 2:19
